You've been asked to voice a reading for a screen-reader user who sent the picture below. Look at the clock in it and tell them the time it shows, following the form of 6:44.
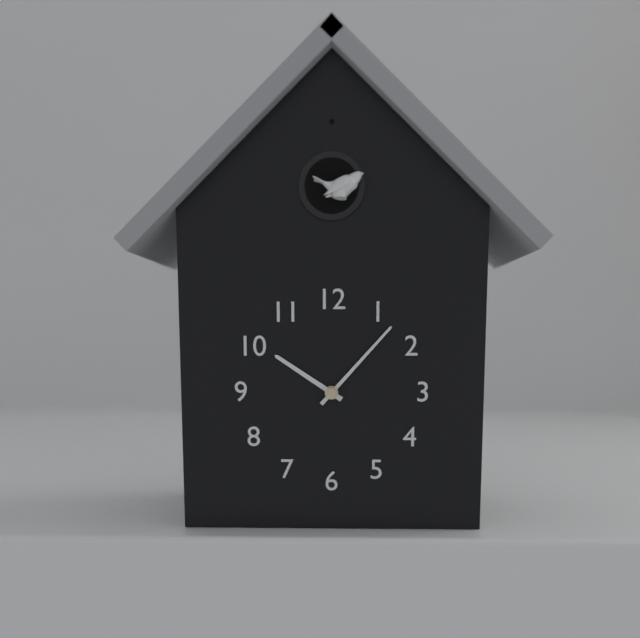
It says 10:07
